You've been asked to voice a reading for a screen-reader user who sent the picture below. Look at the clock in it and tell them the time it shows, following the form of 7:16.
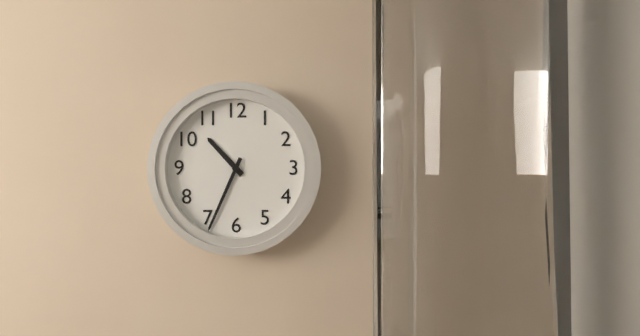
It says 10:34
